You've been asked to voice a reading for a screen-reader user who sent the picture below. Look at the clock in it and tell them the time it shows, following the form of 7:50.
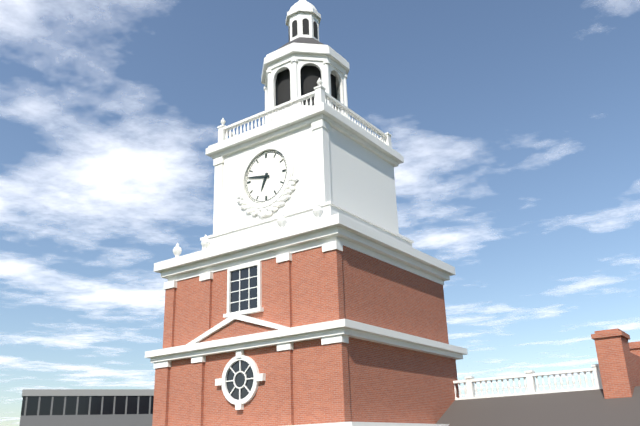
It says 6:47
